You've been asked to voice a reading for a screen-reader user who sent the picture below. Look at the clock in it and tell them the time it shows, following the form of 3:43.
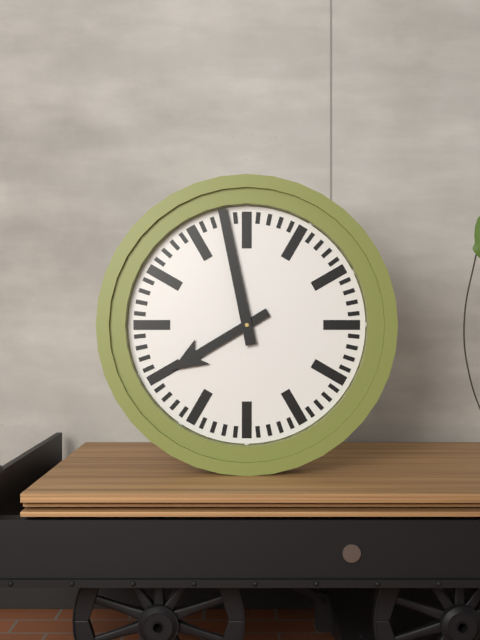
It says 7:58
